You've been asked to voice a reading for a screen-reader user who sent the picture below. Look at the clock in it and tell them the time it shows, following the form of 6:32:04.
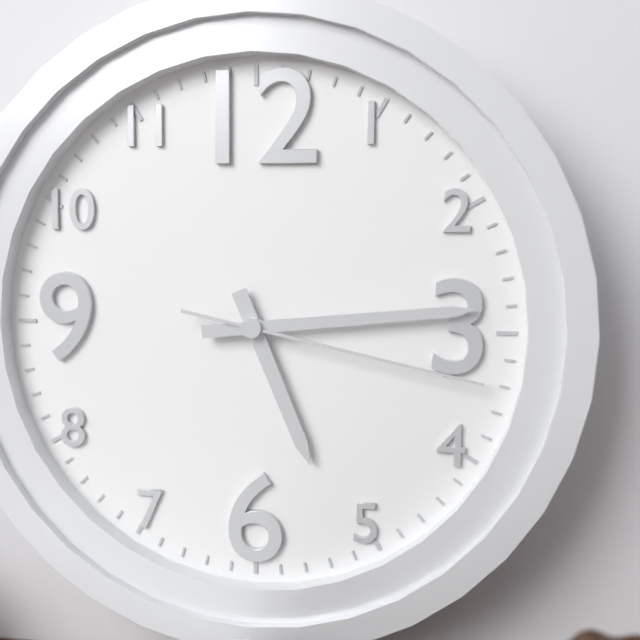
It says 5:14:17
